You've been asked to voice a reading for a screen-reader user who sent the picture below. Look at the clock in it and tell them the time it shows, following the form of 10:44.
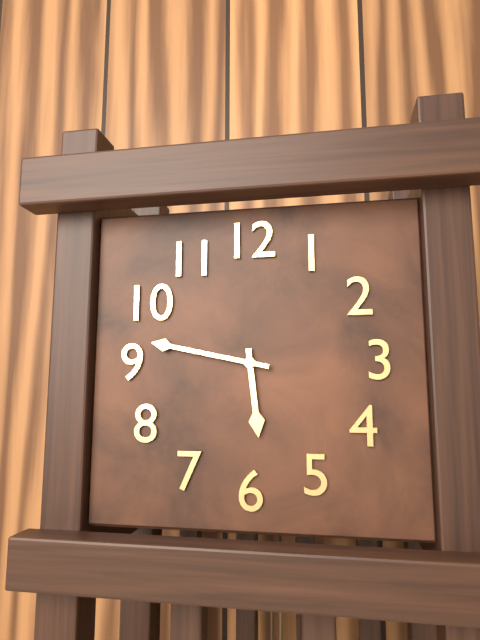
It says 5:47
